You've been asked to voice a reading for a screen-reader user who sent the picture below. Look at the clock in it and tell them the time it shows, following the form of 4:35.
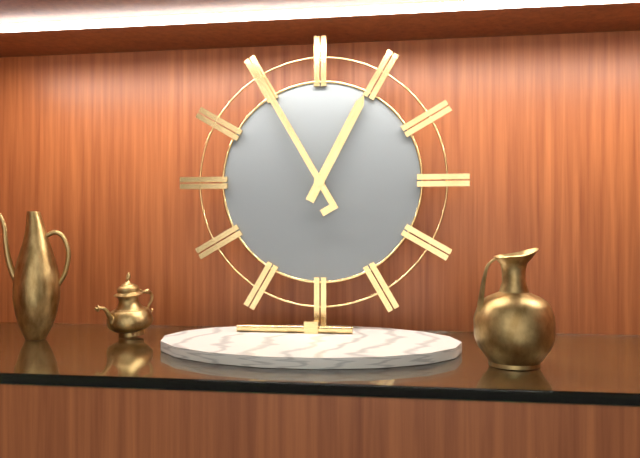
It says 12:55
